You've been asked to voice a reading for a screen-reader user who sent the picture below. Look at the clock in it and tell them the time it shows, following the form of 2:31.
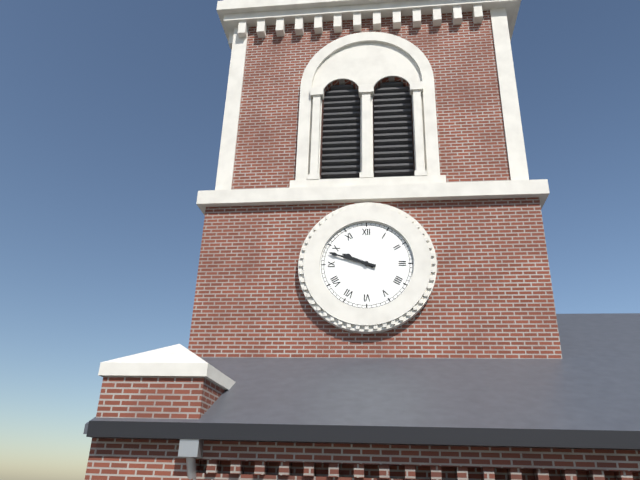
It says 9:48
